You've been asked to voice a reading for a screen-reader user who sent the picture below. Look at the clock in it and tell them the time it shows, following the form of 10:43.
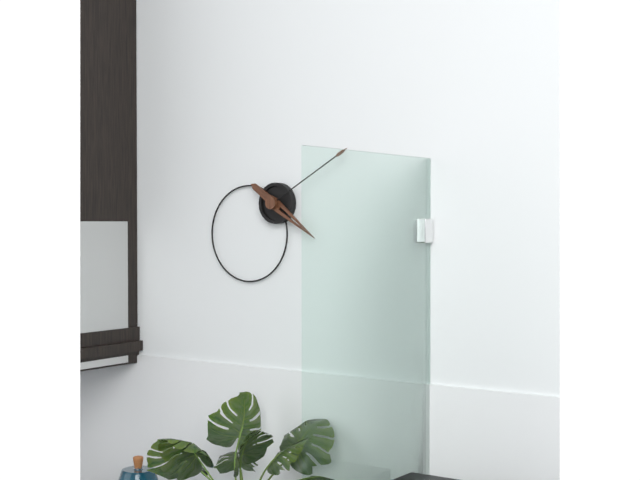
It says 4:10
